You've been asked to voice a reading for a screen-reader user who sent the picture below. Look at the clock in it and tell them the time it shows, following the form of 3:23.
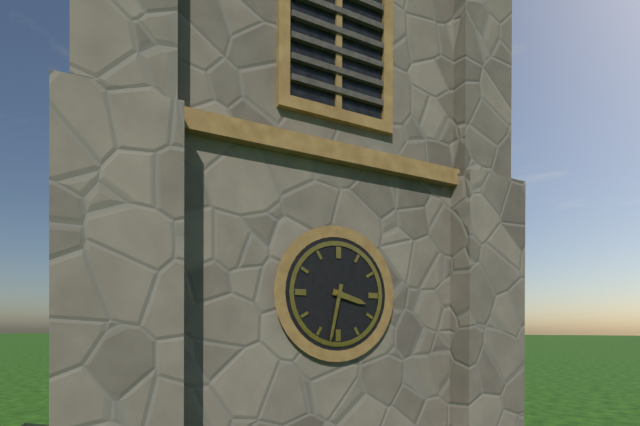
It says 3:32
